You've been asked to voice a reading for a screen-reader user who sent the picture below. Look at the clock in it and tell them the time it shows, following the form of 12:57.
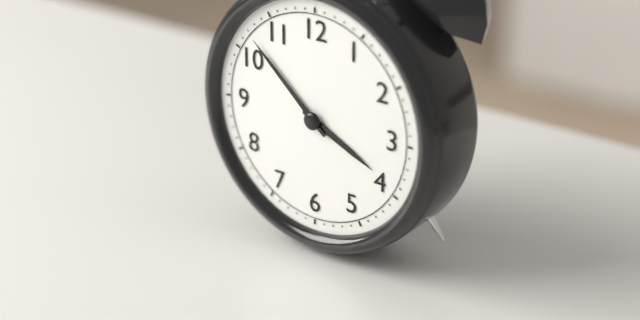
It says 3:52
